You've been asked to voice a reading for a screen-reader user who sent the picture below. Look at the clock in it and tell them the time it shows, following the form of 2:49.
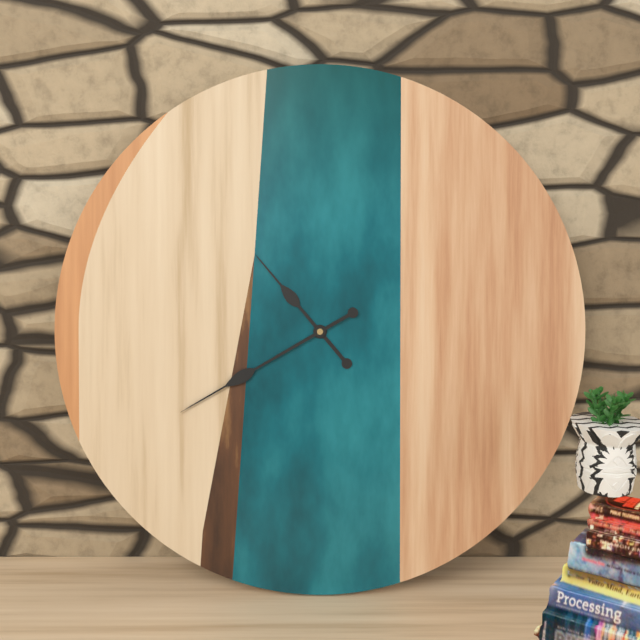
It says 10:40
